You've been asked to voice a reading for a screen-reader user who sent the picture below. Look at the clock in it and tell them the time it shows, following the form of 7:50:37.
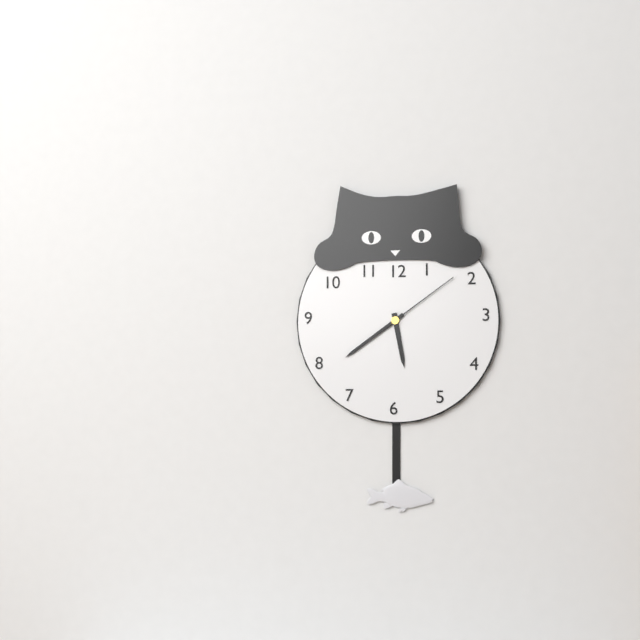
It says 5:39:09
